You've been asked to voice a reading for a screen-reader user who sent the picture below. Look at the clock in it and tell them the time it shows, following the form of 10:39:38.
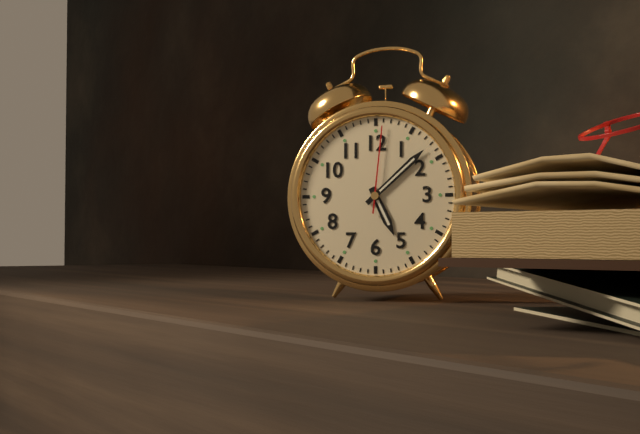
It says 5:08:01
